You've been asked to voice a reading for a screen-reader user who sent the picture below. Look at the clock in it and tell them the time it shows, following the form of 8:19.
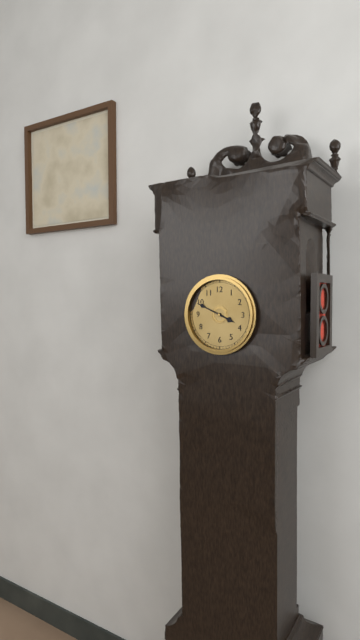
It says 3:49
